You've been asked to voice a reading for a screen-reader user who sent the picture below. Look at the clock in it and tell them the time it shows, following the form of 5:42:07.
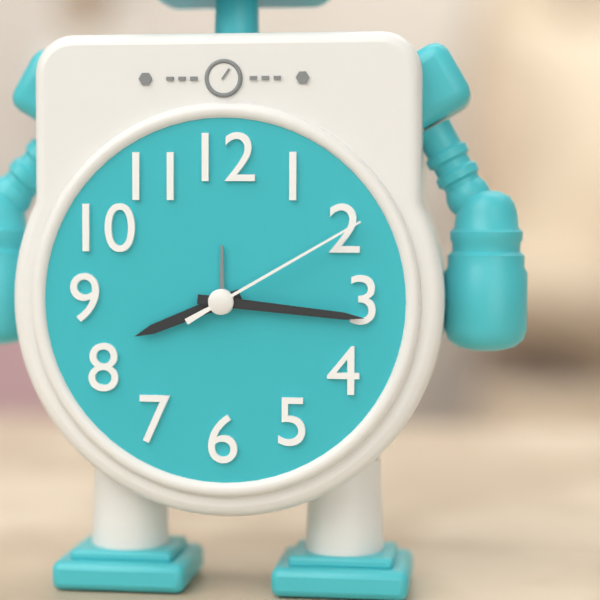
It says 8:16:10
